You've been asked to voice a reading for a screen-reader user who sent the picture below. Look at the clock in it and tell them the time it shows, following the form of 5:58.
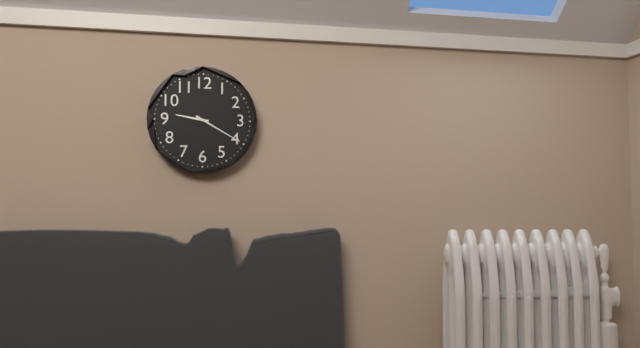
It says 9:20
